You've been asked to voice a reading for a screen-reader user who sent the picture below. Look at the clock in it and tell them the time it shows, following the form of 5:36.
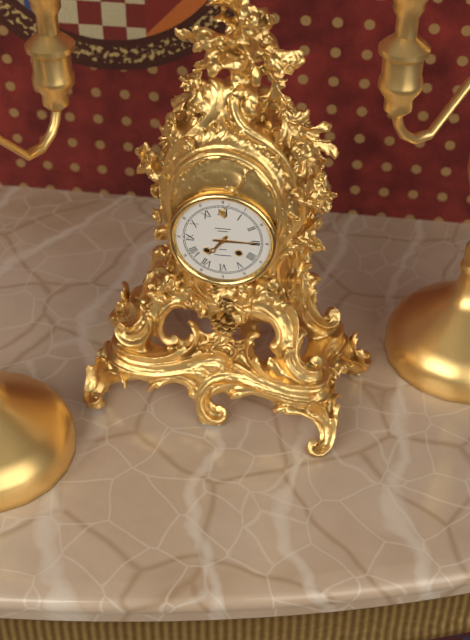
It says 7:15
